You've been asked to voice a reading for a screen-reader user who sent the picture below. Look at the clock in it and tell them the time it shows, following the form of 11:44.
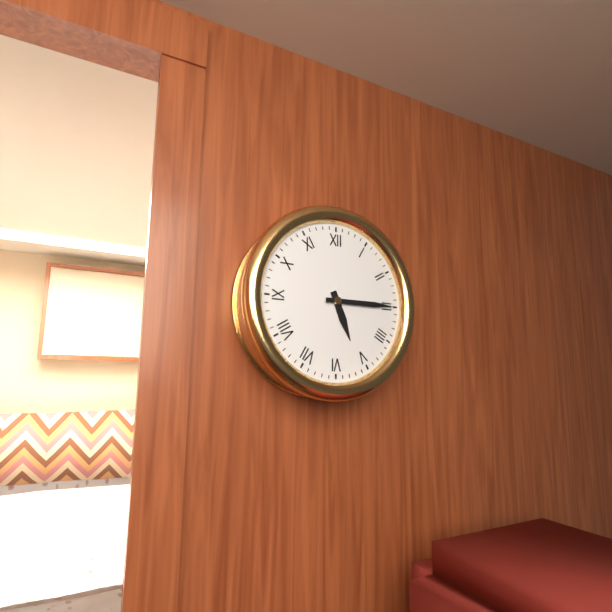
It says 5:15
